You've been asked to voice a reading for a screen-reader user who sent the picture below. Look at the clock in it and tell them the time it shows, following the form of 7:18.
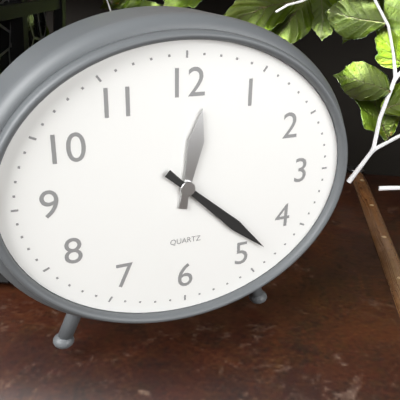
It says 12:22
